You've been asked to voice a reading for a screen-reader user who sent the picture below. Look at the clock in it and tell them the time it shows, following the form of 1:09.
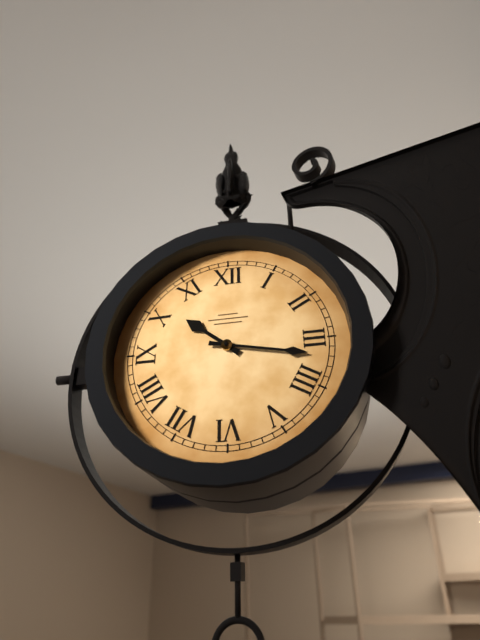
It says 10:17
